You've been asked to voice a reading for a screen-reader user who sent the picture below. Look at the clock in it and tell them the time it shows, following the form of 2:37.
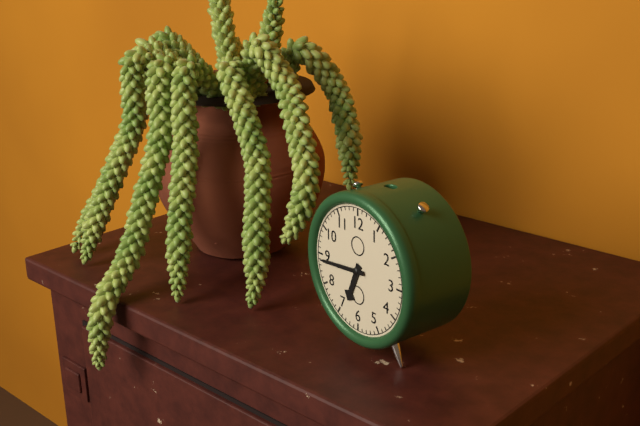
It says 6:44
